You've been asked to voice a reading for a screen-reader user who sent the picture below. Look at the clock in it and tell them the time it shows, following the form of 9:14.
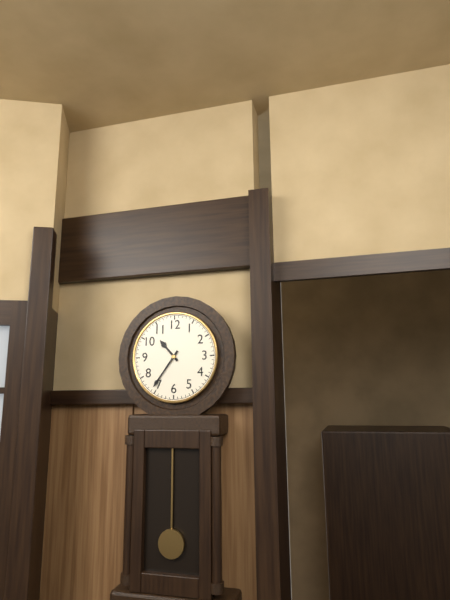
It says 10:36
